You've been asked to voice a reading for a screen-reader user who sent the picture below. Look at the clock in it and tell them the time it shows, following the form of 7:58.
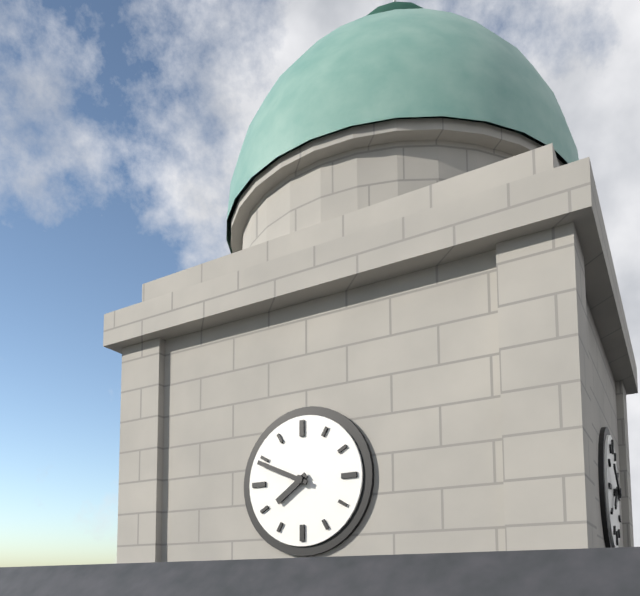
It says 7:49
